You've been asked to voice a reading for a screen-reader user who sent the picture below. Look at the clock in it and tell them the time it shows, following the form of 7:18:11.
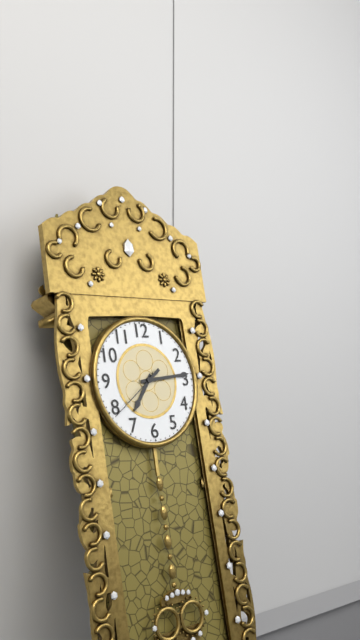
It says 7:14:39
